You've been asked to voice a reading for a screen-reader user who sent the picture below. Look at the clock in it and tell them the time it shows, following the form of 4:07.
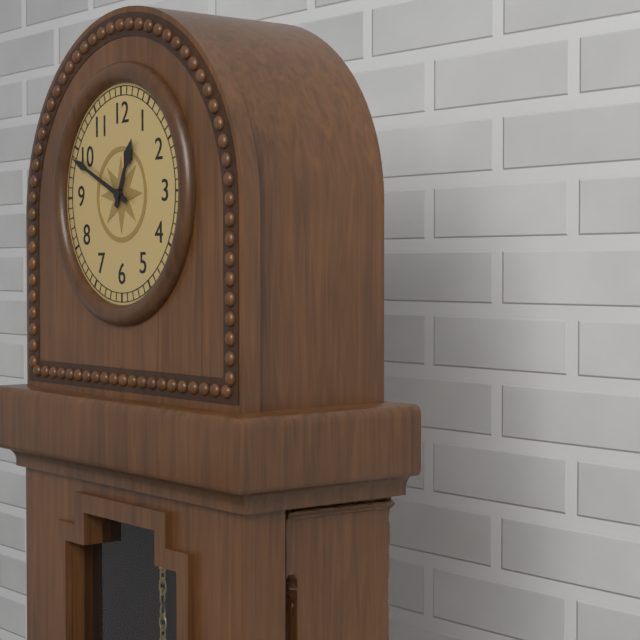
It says 12:49
